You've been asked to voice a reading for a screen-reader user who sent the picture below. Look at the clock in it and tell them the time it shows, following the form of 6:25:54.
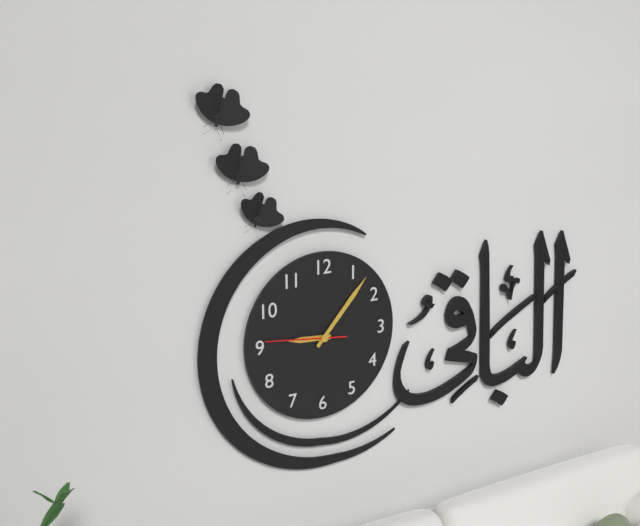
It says 9:07:46
